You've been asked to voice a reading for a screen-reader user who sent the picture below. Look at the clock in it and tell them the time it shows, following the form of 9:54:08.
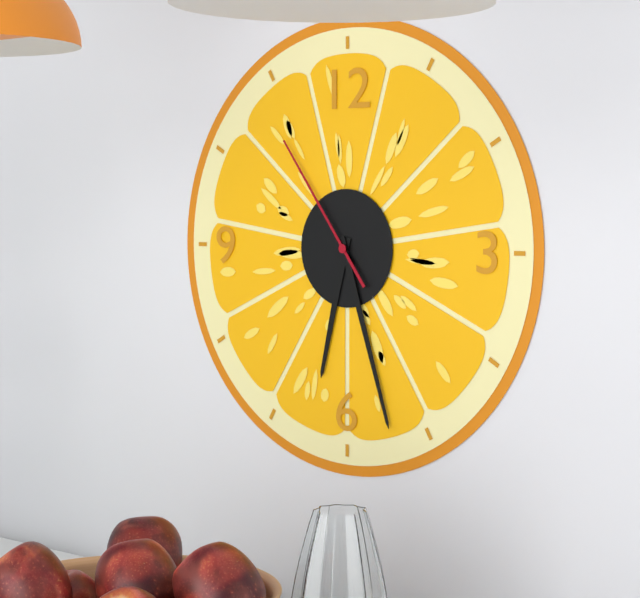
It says 6:27:54
